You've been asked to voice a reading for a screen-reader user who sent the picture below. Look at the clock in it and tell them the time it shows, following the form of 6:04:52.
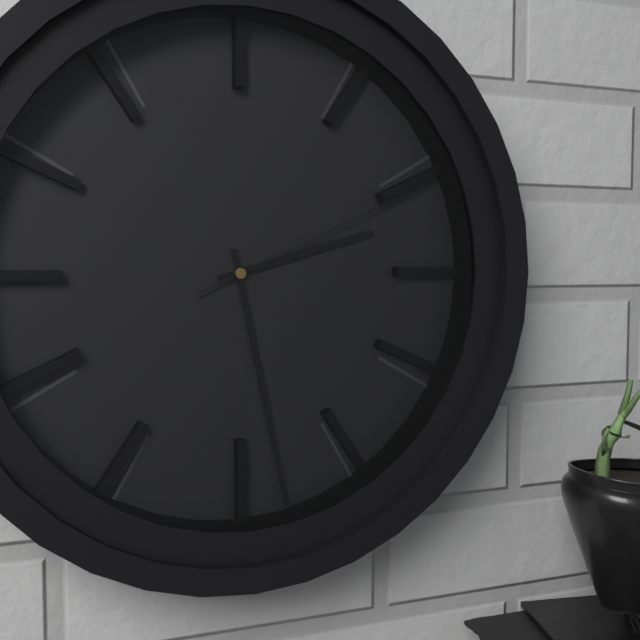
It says 2:28:11
